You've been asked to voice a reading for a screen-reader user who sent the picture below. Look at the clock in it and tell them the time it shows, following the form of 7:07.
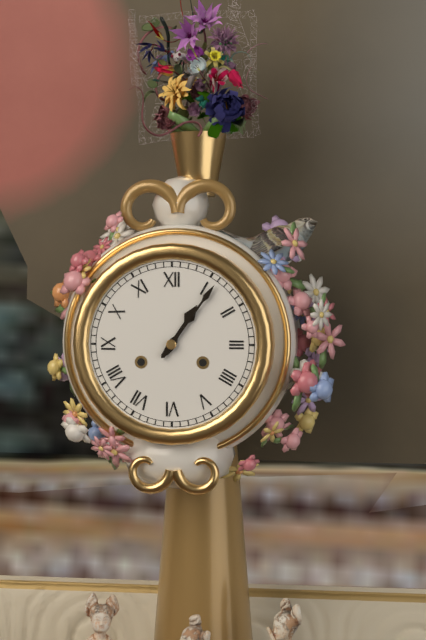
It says 1:06
